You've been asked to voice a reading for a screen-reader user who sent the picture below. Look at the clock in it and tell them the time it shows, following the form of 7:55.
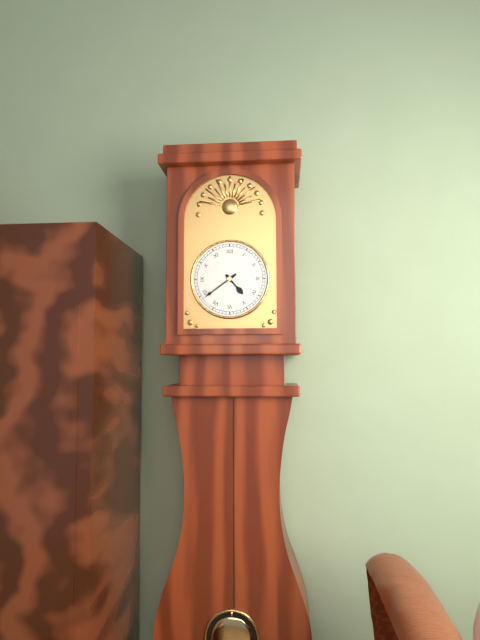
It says 4:39
